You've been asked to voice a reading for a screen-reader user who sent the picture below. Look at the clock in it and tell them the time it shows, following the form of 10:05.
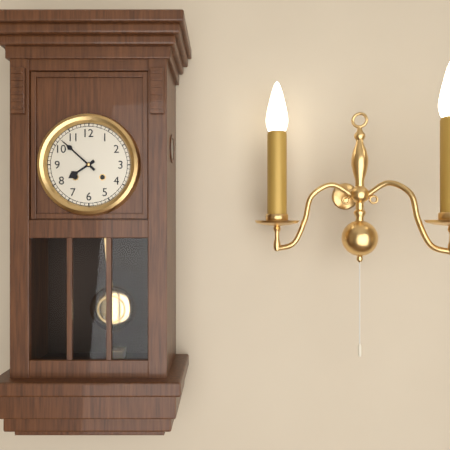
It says 7:52
